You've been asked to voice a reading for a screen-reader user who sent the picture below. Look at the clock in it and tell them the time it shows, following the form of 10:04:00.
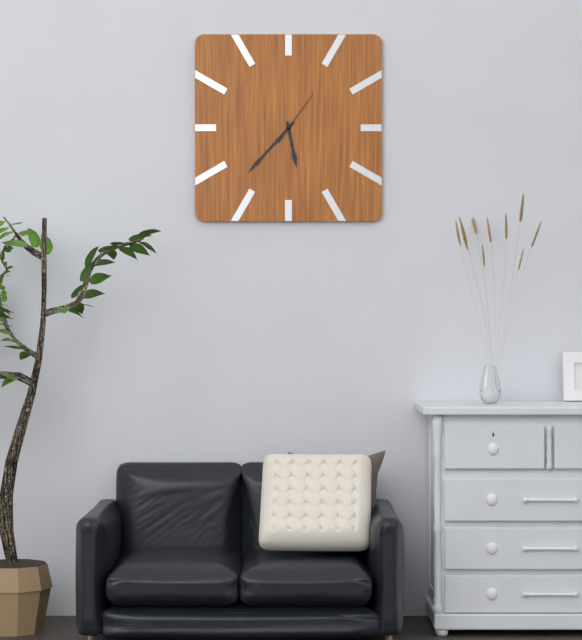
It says 5:37:06
